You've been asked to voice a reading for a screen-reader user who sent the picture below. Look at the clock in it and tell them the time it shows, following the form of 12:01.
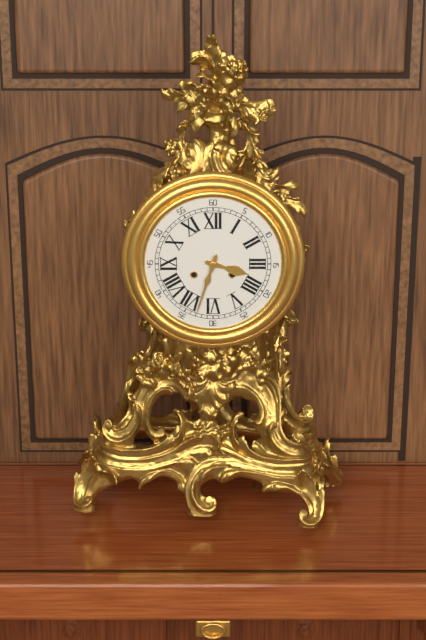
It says 3:33
